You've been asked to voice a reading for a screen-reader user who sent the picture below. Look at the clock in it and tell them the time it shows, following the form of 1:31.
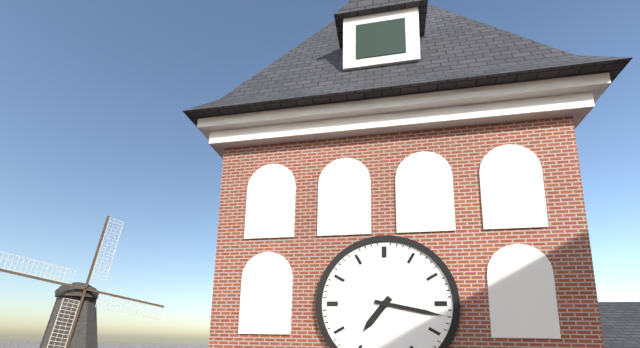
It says 7:17
